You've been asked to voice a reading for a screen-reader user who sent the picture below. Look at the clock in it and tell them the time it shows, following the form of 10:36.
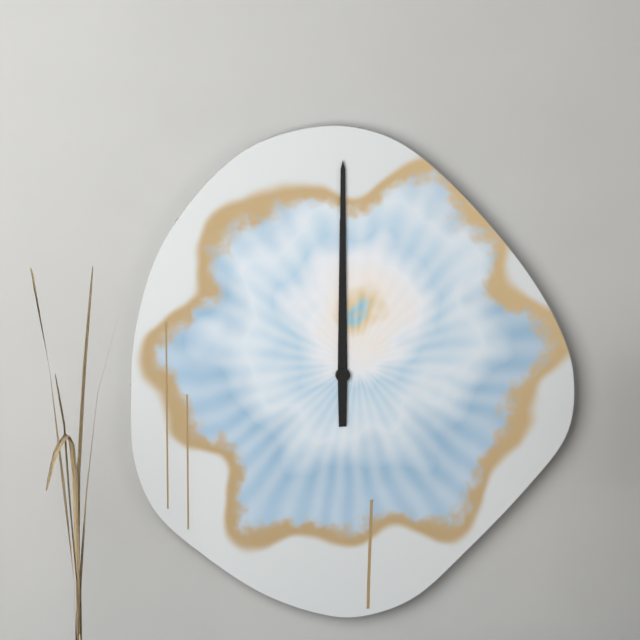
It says 12:00
